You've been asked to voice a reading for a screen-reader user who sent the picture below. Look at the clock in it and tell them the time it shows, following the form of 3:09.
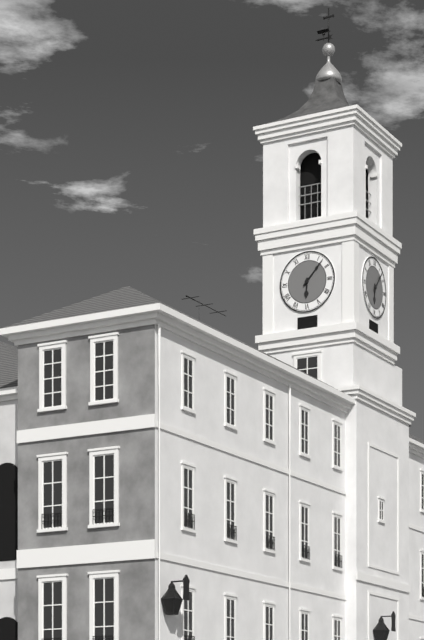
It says 6:07
